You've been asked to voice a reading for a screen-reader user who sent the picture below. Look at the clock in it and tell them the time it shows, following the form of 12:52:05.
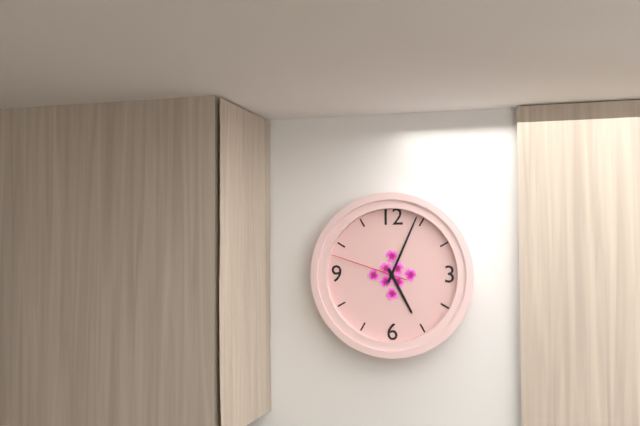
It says 5:04:48
